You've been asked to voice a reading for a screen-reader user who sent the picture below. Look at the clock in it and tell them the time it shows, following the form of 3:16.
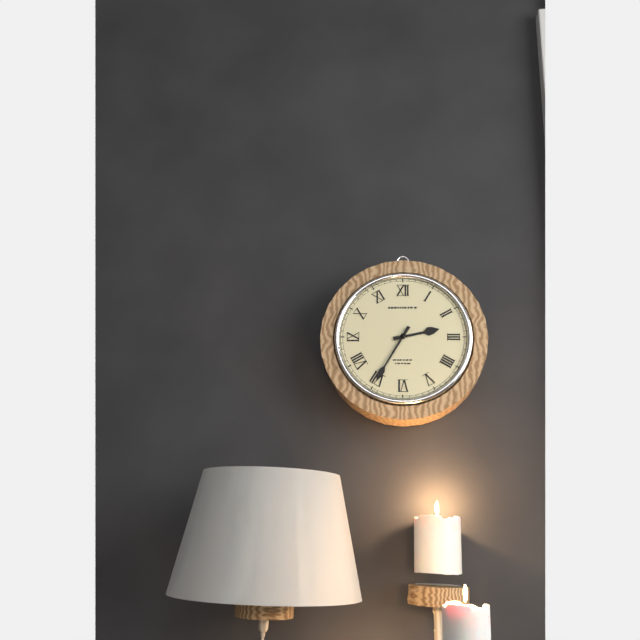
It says 2:35
